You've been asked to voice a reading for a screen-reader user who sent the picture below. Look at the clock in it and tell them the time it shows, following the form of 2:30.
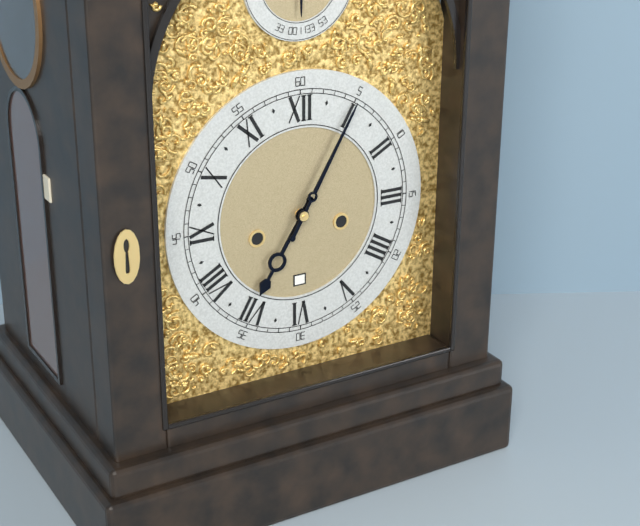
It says 7:05
